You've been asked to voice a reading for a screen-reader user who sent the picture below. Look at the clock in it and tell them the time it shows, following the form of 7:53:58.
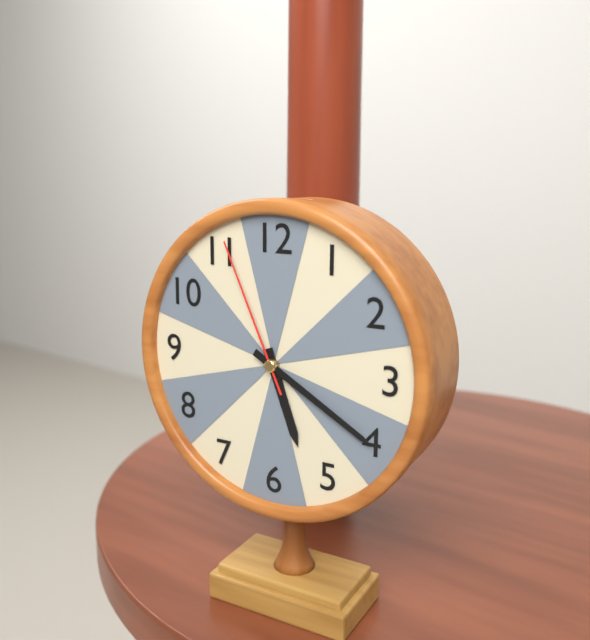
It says 5:20:56
